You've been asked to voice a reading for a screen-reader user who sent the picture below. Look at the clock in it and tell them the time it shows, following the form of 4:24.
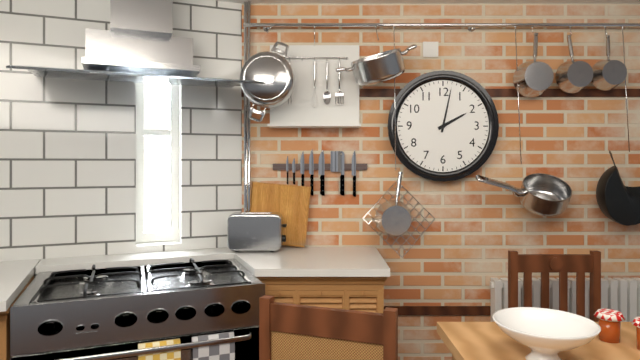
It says 2:02
